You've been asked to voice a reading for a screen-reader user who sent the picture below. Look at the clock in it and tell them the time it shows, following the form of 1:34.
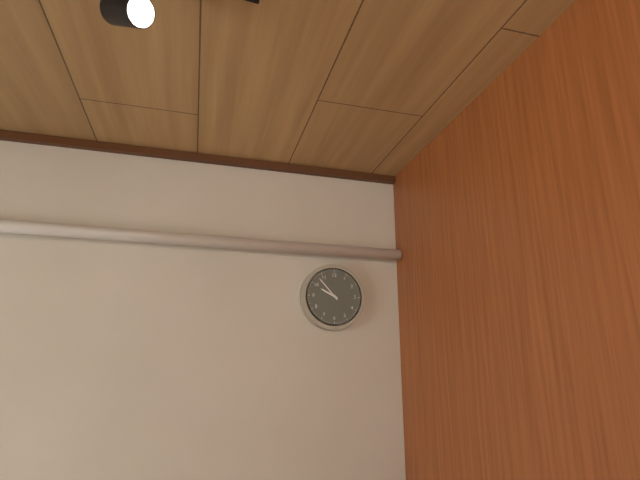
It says 9:53
